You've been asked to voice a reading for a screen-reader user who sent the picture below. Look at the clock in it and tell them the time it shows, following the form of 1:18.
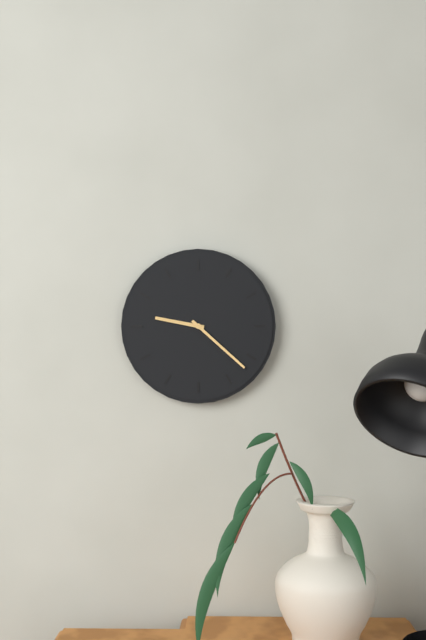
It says 9:22
